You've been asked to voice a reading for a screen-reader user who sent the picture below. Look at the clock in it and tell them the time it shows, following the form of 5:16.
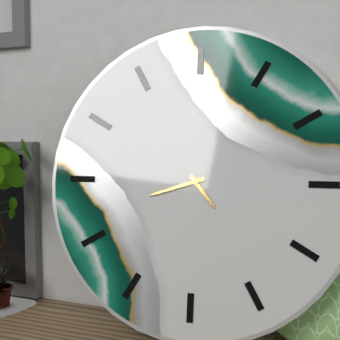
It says 4:42
